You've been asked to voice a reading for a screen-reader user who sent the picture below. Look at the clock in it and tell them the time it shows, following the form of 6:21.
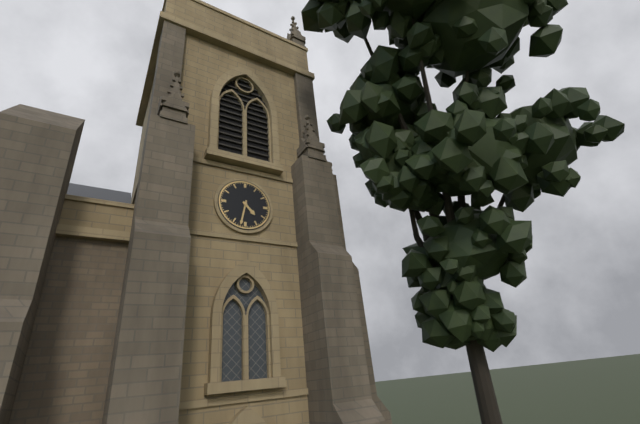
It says 4:32
